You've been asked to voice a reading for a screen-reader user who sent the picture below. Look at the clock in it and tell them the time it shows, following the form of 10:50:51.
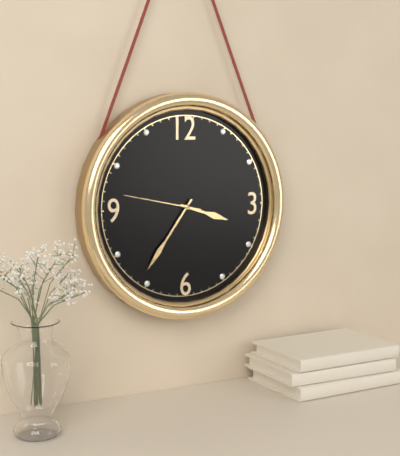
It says 3:36:47
